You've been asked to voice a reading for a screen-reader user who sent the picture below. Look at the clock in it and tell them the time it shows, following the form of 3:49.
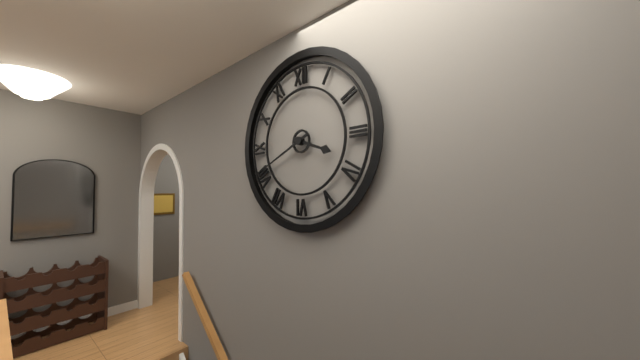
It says 3:41
